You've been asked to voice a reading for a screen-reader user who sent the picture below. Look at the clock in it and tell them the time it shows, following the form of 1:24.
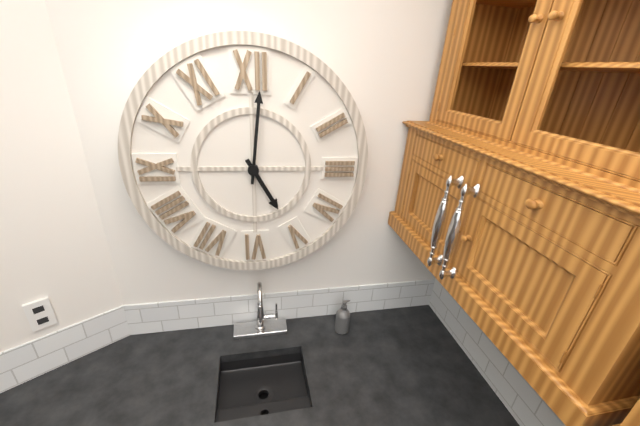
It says 5:01
